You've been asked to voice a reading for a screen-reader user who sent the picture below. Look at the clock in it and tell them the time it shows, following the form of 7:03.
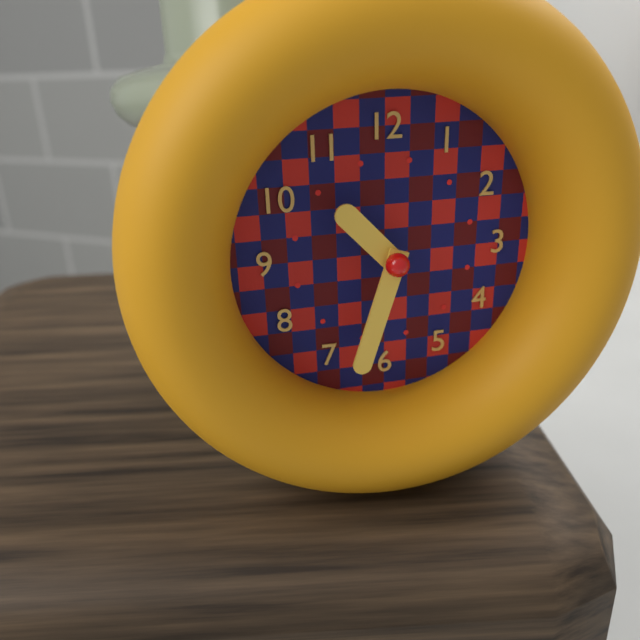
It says 10:33
